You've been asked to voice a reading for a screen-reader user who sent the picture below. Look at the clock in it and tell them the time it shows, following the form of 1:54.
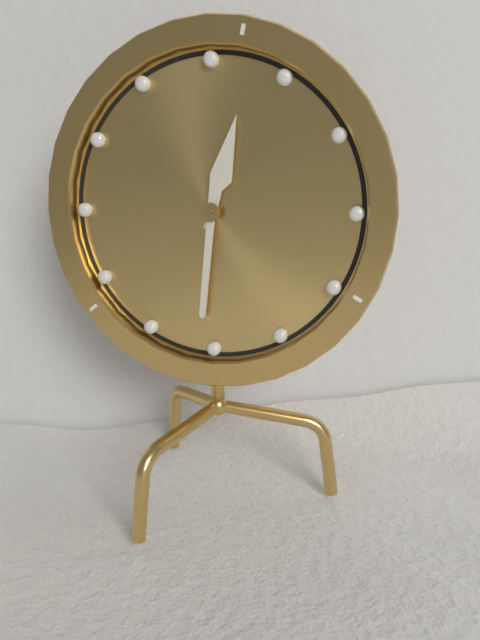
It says 12:31
